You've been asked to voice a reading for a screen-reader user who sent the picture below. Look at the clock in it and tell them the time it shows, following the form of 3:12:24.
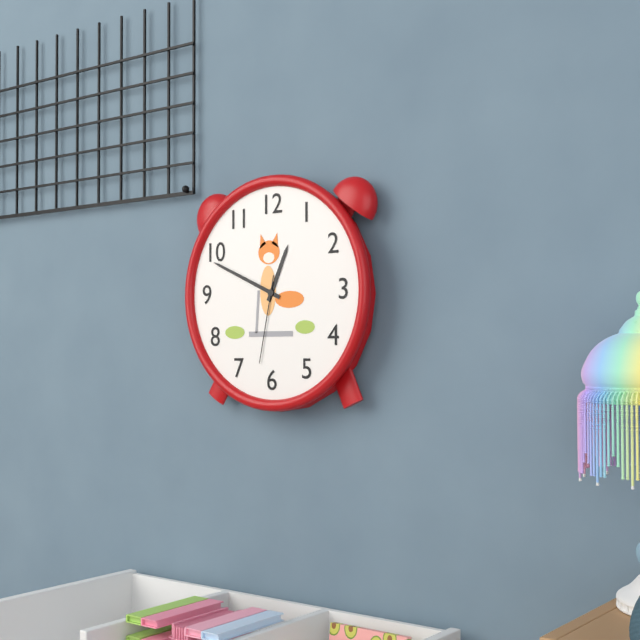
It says 12:49:32
